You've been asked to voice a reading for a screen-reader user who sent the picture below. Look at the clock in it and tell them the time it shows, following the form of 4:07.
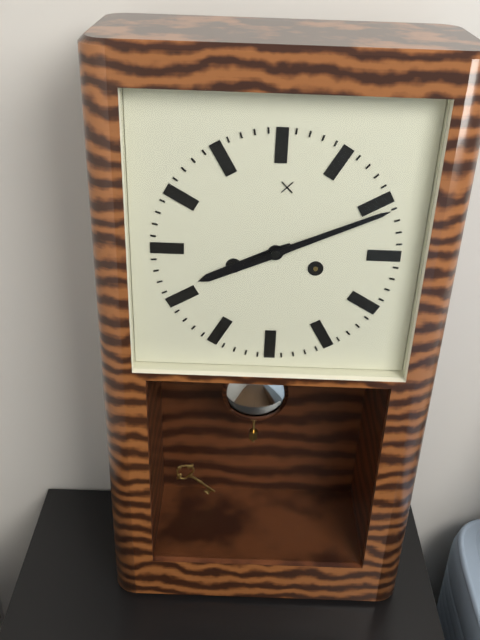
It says 8:11
